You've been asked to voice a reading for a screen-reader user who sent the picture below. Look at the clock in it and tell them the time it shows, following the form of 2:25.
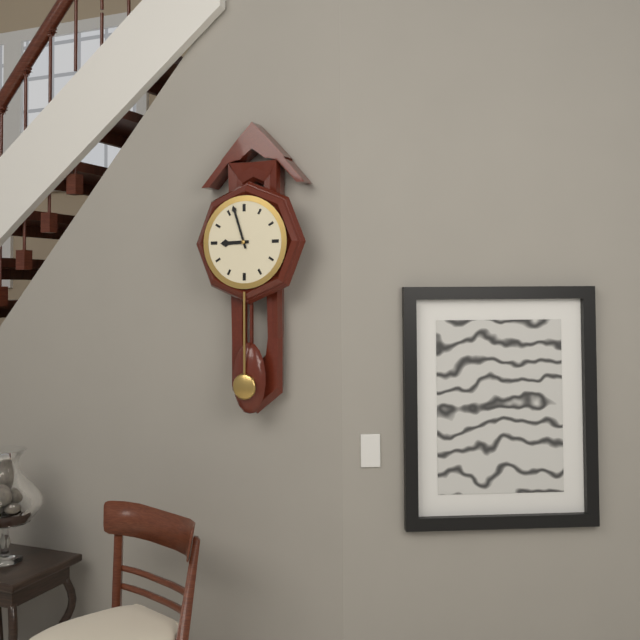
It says 8:57
